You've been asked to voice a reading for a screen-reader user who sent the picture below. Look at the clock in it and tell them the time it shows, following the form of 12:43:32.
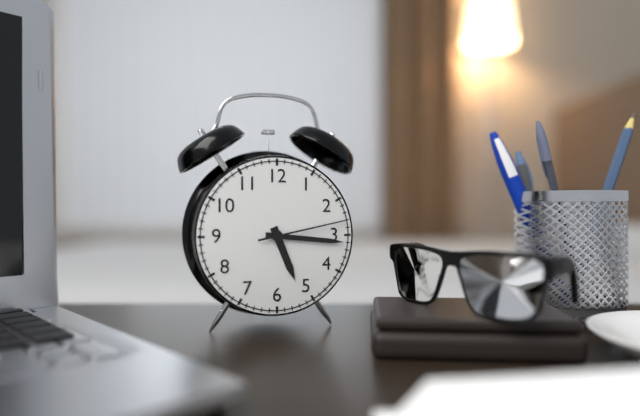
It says 5:16:13
